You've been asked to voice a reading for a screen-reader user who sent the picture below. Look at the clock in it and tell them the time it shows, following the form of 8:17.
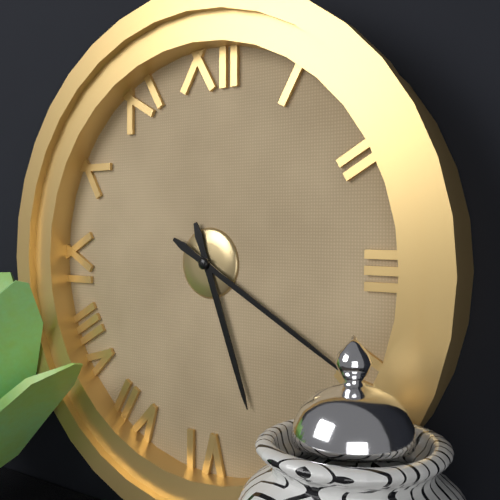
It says 5:20
